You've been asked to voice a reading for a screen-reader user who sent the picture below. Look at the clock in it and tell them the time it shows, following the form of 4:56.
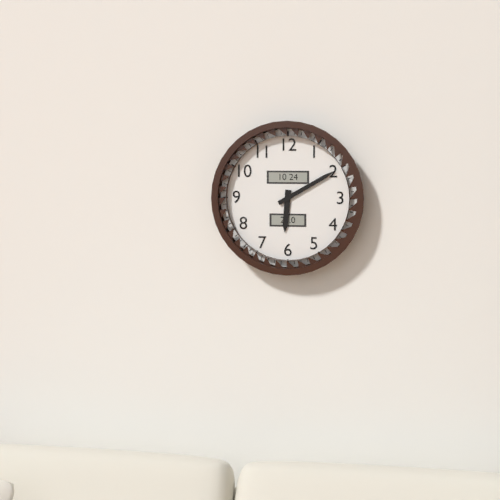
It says 6:10
